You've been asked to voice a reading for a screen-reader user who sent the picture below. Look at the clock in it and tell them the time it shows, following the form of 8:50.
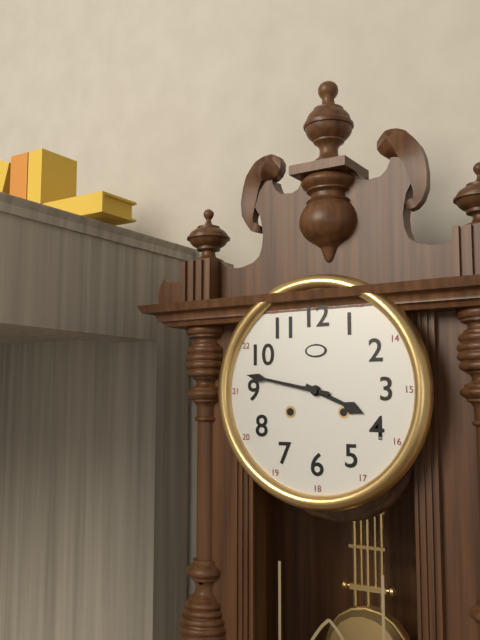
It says 3:47
